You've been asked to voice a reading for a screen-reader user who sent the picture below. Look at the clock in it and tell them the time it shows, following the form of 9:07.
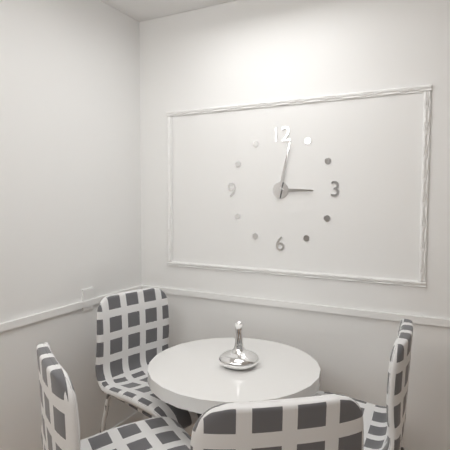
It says 3:02
